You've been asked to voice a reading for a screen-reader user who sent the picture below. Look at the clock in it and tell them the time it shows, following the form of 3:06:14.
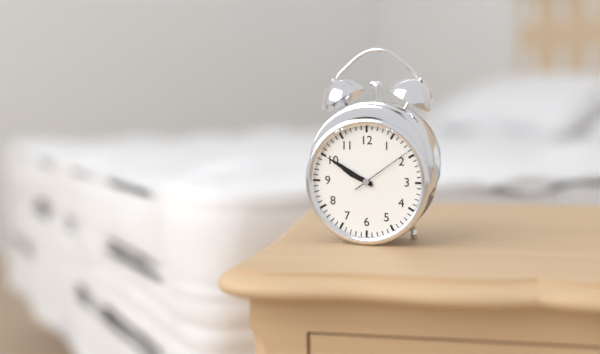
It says 9:50:09
